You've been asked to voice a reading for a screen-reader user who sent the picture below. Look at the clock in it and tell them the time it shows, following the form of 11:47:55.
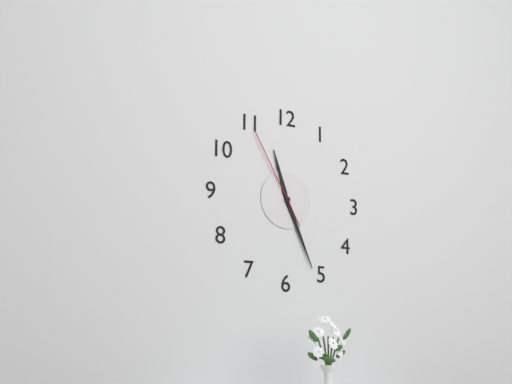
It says 11:26:55
